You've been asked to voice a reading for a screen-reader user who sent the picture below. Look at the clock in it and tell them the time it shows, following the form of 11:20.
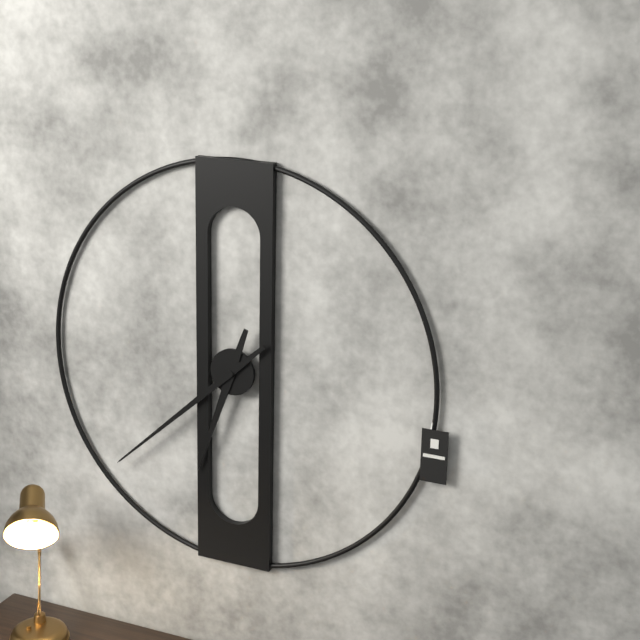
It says 6:38
